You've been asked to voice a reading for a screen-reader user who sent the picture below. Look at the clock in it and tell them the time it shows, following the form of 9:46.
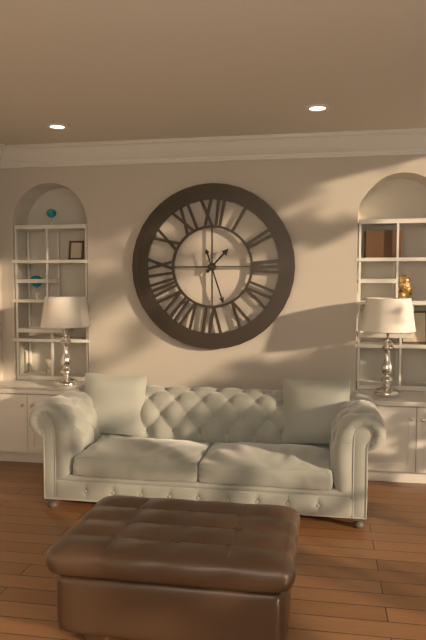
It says 1:27
